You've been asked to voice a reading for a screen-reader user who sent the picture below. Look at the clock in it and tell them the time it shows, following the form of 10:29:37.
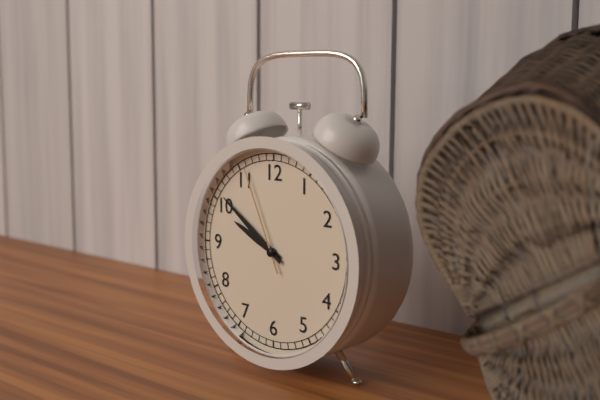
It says 9:51:56
